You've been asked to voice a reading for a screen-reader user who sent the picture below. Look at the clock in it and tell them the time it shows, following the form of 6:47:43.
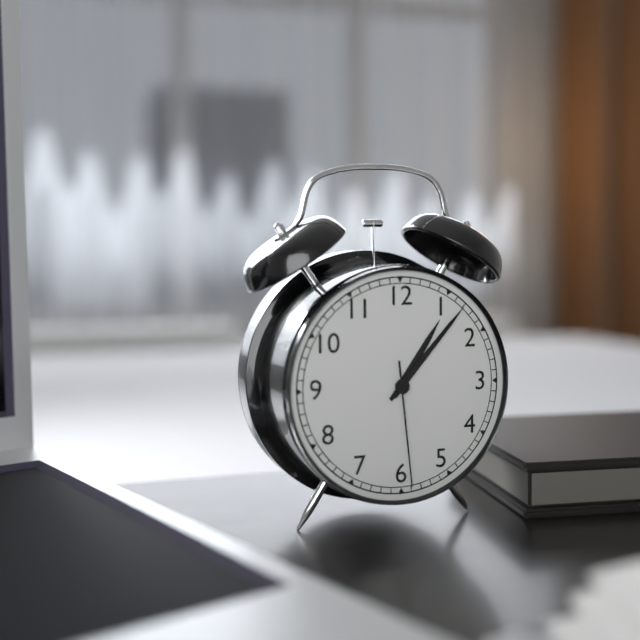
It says 1:07:29
